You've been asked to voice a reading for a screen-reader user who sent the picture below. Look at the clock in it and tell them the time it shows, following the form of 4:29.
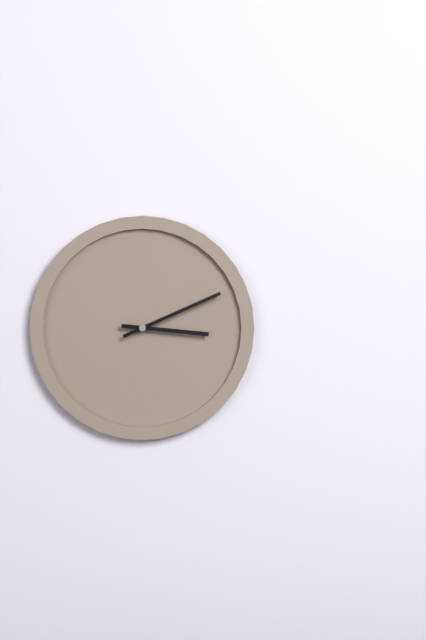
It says 3:11
